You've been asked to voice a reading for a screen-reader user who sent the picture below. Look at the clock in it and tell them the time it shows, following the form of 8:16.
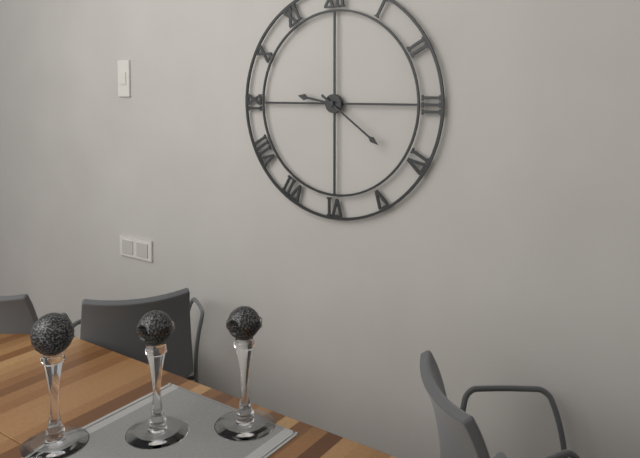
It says 9:21
